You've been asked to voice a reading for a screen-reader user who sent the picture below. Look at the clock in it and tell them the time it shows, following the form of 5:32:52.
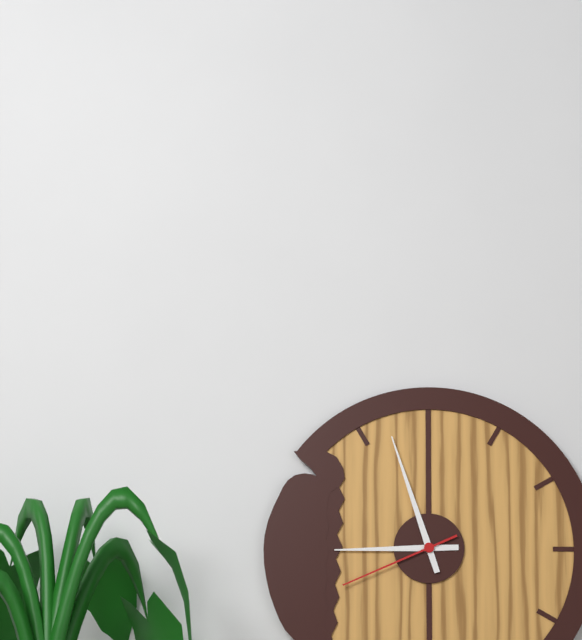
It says 8:57:41
